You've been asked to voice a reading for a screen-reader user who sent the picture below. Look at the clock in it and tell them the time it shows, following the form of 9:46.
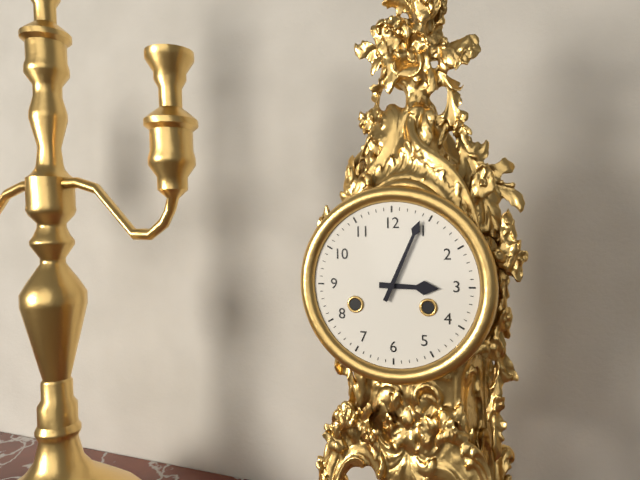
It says 3:04
